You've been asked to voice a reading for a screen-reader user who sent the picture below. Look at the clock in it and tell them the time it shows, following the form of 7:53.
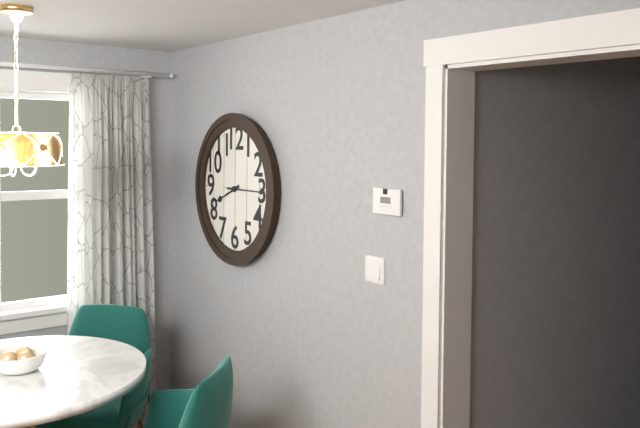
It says 8:15
